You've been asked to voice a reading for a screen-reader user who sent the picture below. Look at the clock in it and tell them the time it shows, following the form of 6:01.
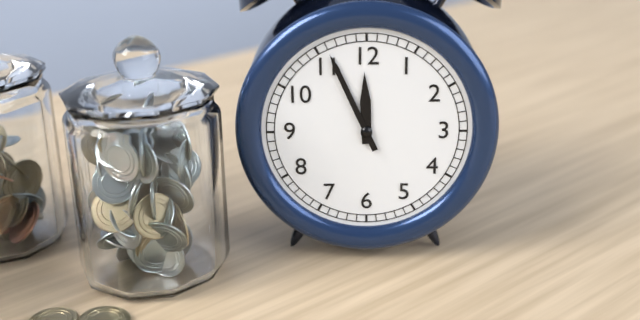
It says 11:56
